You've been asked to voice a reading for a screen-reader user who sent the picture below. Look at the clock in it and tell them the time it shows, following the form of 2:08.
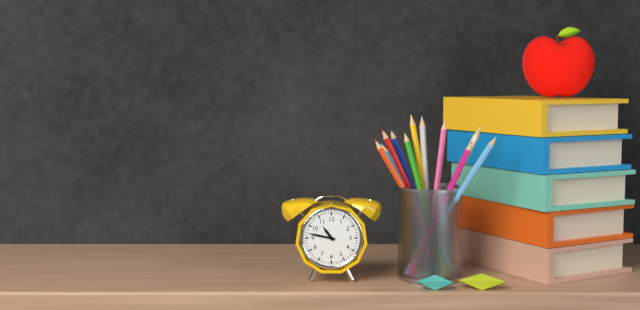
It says 10:47
